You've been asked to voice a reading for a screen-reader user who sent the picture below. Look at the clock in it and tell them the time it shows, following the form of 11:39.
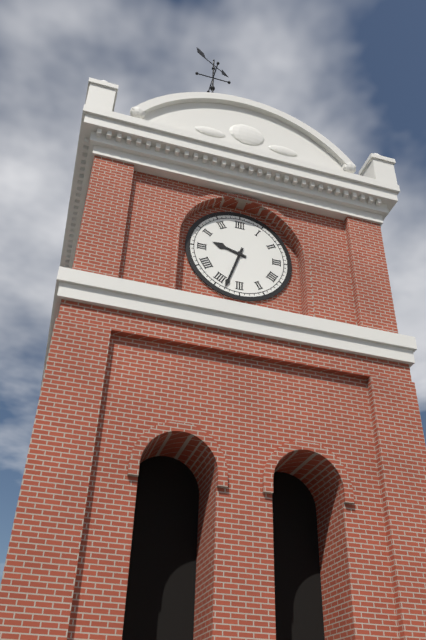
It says 9:33
